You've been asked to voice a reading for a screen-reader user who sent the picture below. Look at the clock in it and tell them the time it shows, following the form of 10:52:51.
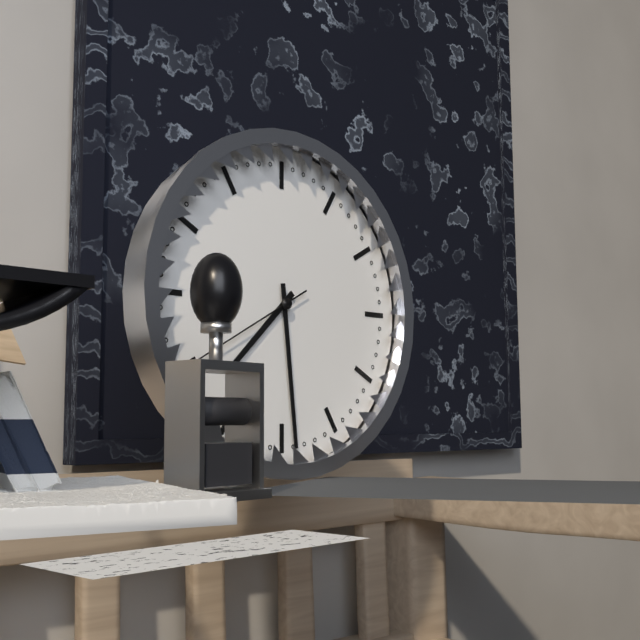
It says 7:29:40
